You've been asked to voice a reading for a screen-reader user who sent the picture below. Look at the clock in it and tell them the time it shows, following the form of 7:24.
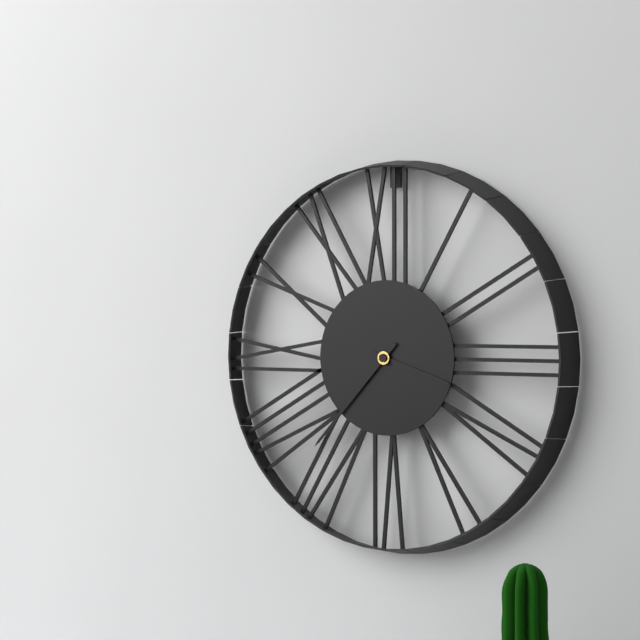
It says 3:37
